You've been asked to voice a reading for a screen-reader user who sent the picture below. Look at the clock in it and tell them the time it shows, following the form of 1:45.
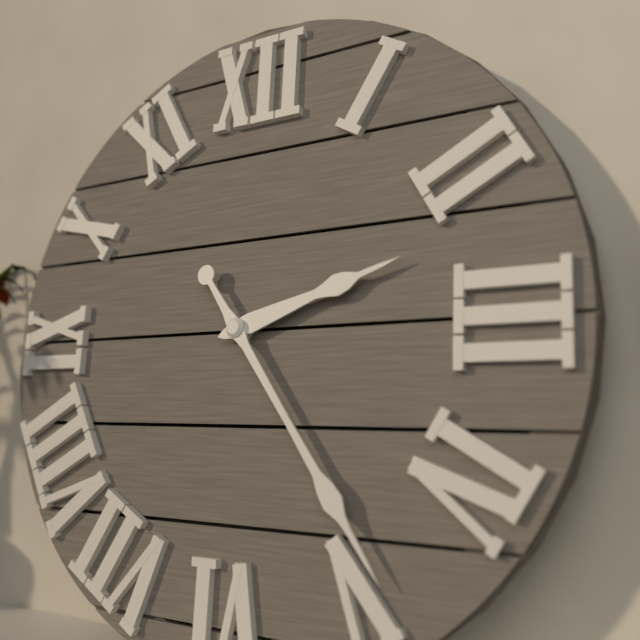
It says 2:24
